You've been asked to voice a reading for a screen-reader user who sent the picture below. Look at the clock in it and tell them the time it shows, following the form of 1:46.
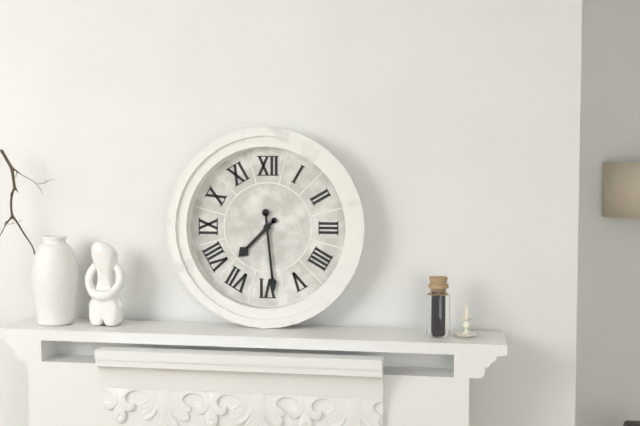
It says 7:29
